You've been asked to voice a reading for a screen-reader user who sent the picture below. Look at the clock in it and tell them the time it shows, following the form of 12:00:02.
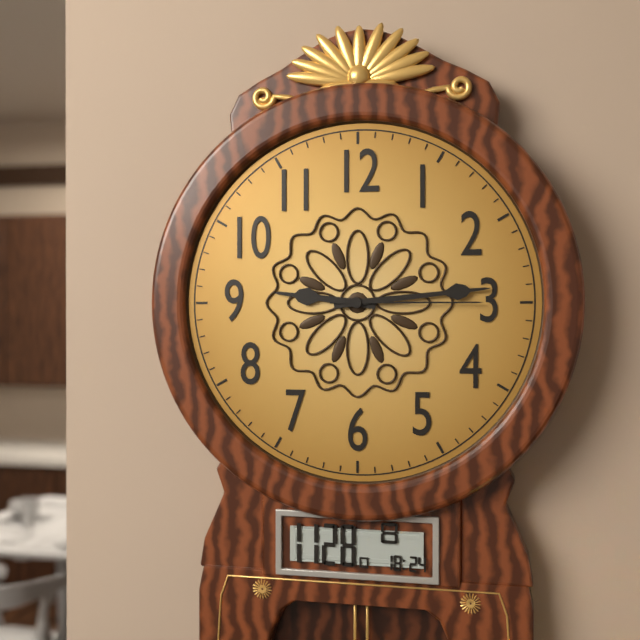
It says 9:14:15
